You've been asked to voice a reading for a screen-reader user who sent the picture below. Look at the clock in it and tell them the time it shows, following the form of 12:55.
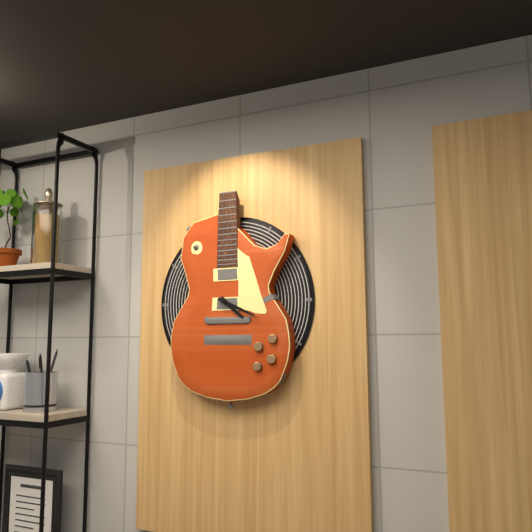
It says 4:19
